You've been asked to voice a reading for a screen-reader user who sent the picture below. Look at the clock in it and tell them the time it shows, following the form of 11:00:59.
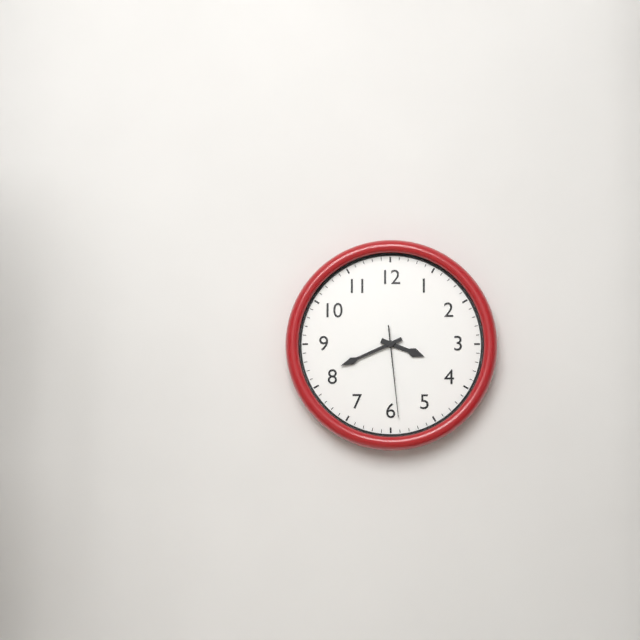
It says 3:41:29
